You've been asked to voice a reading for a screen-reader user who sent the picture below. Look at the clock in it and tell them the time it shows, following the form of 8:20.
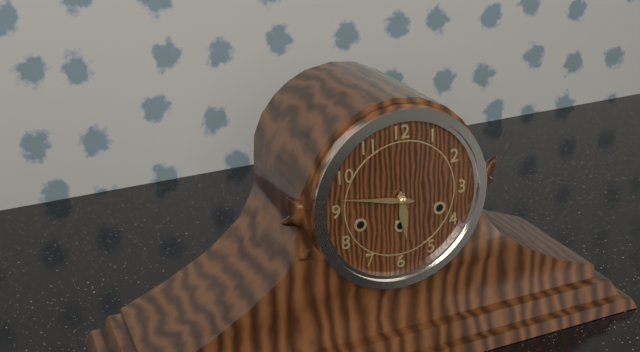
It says 5:47
